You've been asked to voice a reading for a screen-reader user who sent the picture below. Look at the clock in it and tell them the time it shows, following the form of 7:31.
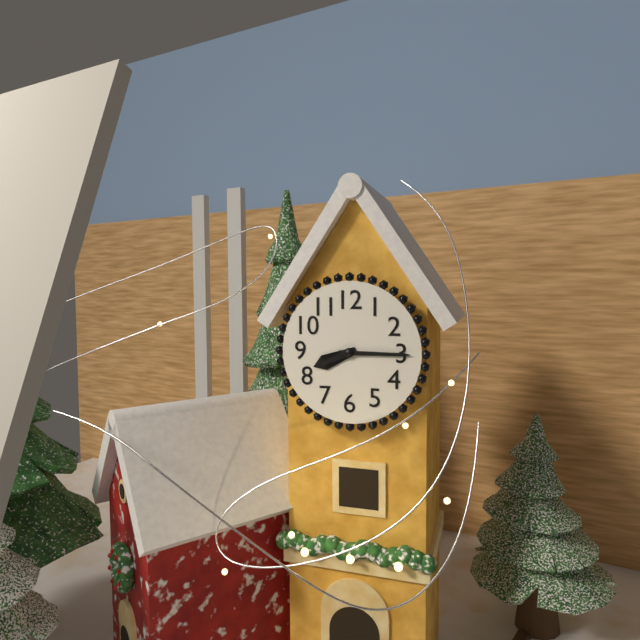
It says 8:15
